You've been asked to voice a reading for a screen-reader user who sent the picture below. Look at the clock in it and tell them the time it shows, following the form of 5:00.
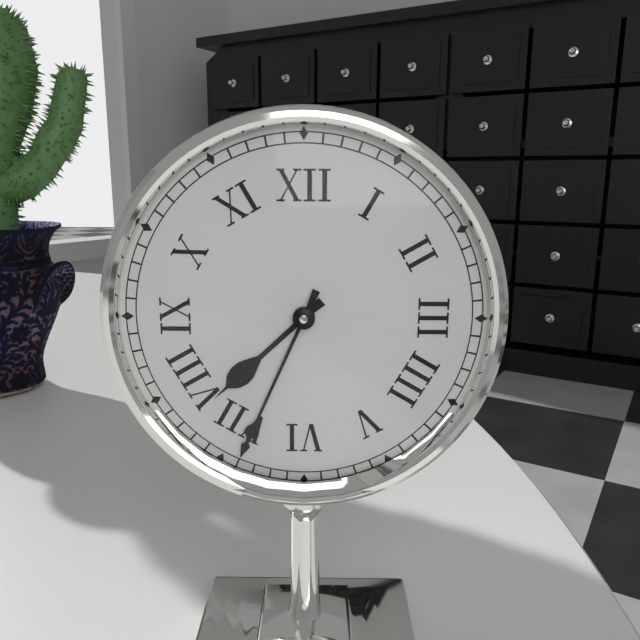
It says 7:34
